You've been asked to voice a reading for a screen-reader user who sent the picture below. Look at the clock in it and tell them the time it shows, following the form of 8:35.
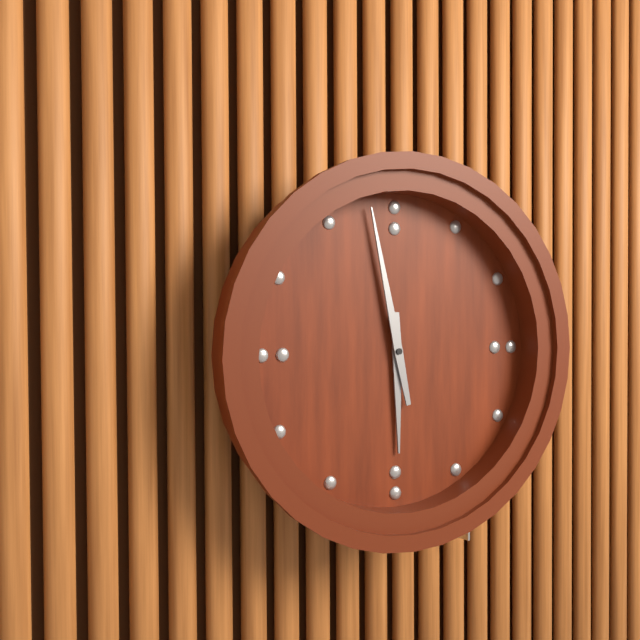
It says 5:58
